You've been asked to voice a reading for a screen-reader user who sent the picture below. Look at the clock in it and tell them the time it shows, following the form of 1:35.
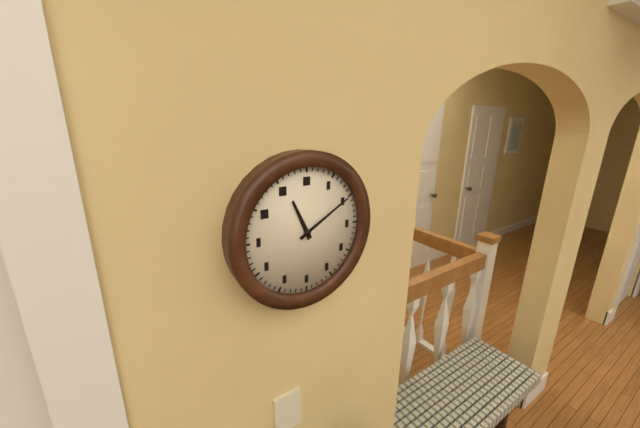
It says 11:10
